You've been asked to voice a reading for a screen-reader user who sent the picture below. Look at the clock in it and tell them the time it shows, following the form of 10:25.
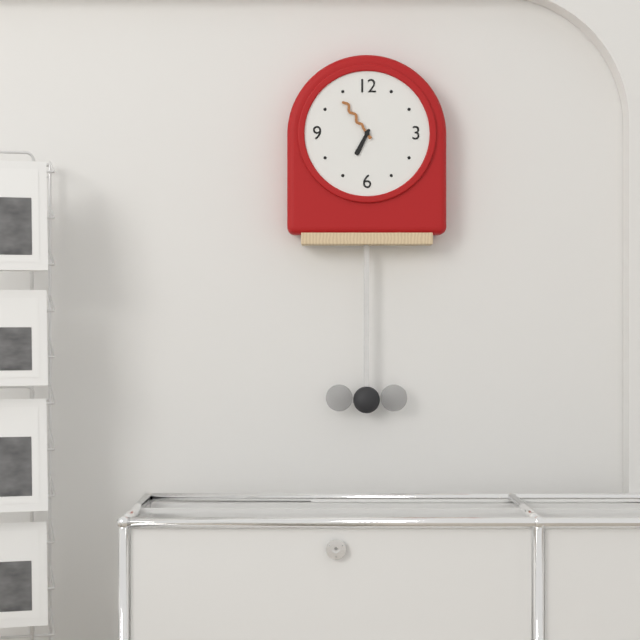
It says 6:54
